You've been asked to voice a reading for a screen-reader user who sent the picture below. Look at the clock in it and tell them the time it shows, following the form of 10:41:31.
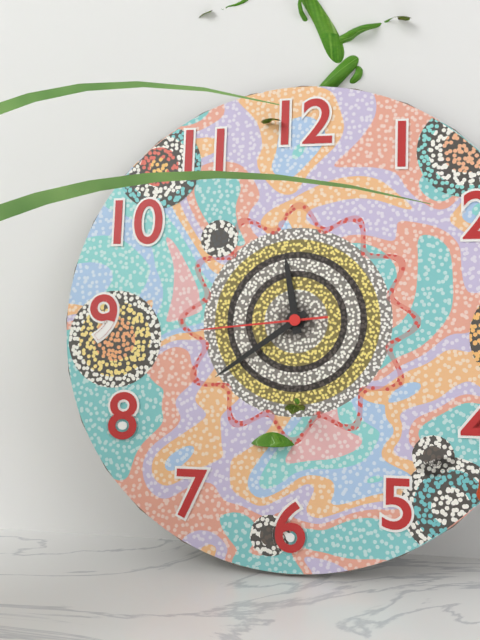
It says 11:39:44
